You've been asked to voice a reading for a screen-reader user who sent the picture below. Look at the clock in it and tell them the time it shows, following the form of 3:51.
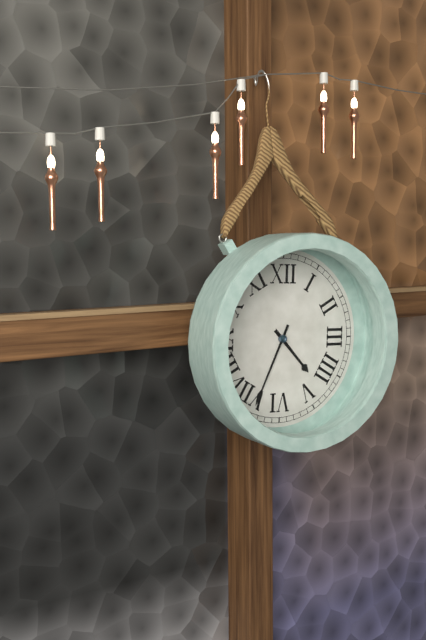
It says 4:34
